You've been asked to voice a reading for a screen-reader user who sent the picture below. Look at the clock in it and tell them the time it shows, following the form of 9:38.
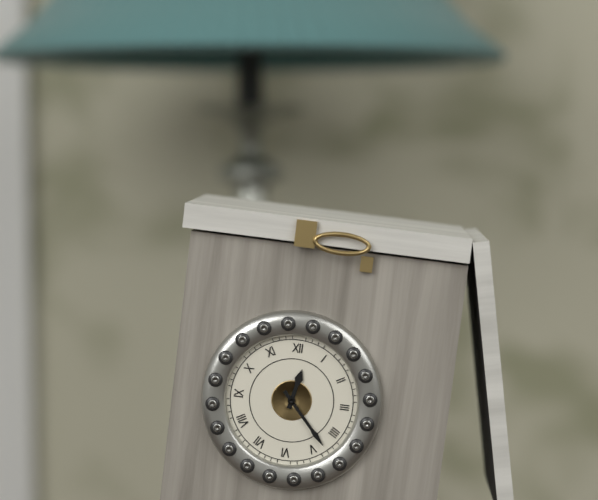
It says 12:23
